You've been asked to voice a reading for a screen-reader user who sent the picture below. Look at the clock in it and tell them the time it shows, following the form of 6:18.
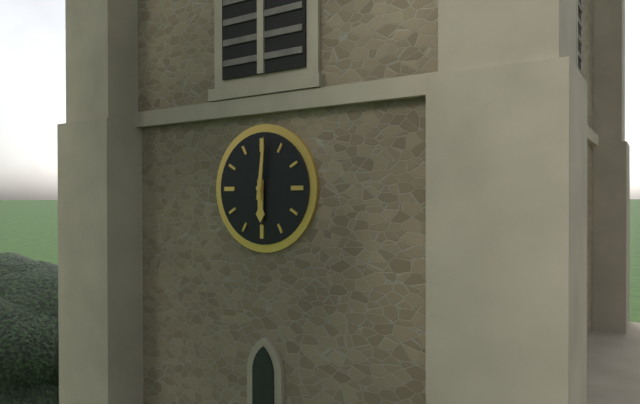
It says 6:01
